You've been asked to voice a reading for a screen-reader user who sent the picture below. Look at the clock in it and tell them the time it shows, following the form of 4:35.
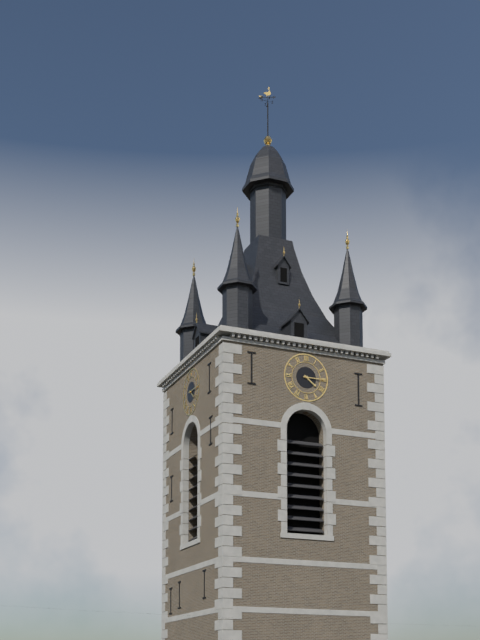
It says 4:15
